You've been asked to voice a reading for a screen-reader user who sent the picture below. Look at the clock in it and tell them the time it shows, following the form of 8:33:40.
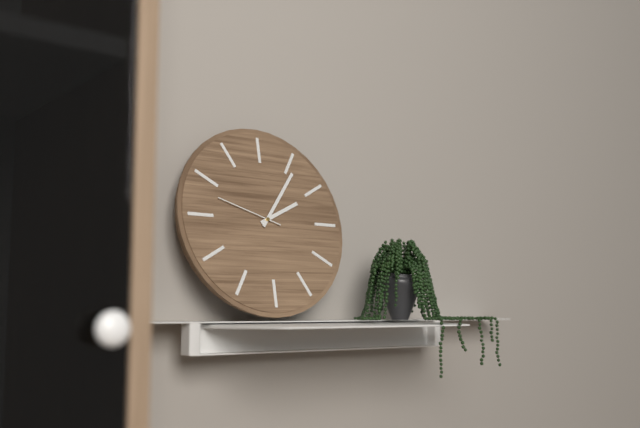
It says 2:06:48
